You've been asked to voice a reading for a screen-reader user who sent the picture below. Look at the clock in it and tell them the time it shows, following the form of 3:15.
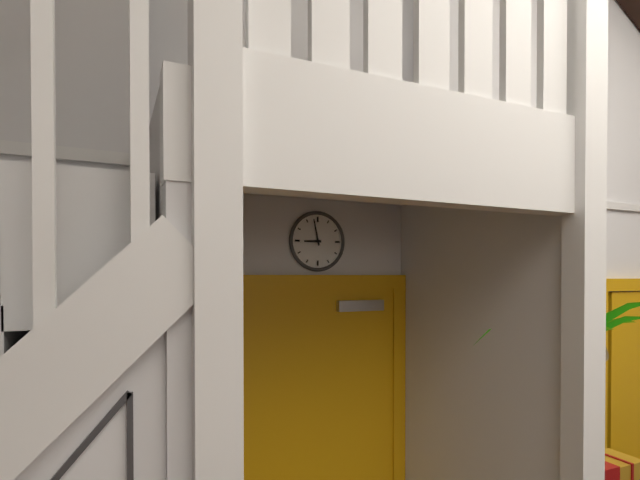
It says 8:58
